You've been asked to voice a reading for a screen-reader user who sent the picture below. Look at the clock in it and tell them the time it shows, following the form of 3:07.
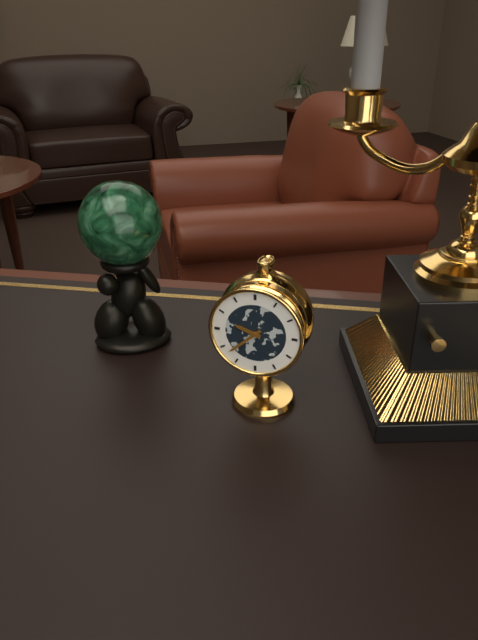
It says 9:38
